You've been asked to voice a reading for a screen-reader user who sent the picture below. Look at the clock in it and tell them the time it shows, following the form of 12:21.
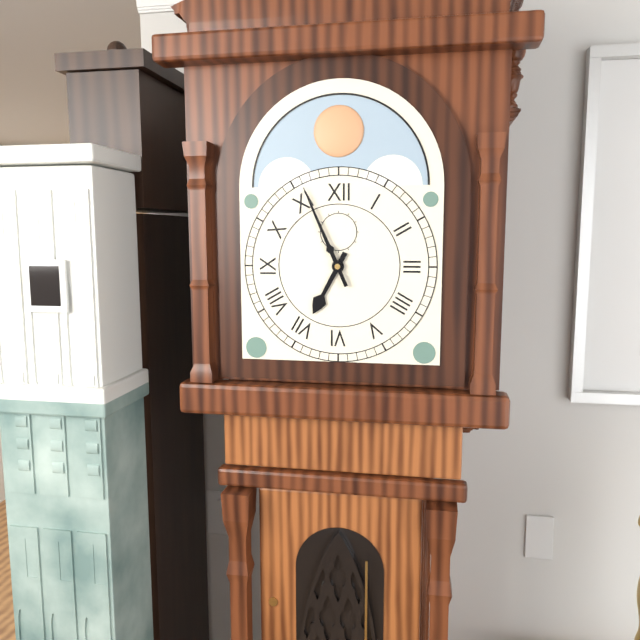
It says 6:56
